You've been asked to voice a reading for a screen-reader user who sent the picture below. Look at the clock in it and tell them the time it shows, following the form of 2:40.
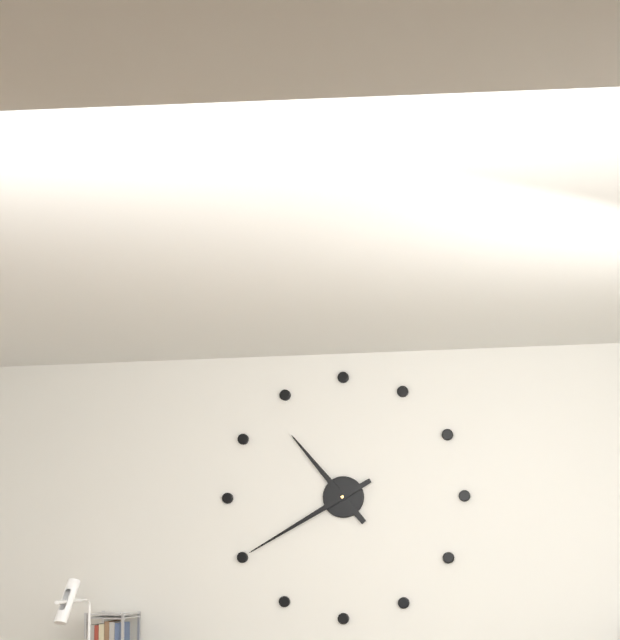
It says 10:40
